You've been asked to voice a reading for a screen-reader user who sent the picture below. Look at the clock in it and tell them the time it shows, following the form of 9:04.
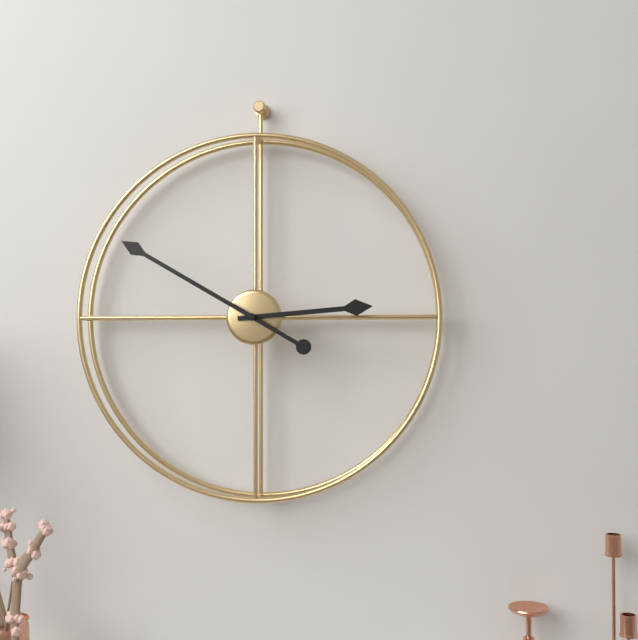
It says 2:50
